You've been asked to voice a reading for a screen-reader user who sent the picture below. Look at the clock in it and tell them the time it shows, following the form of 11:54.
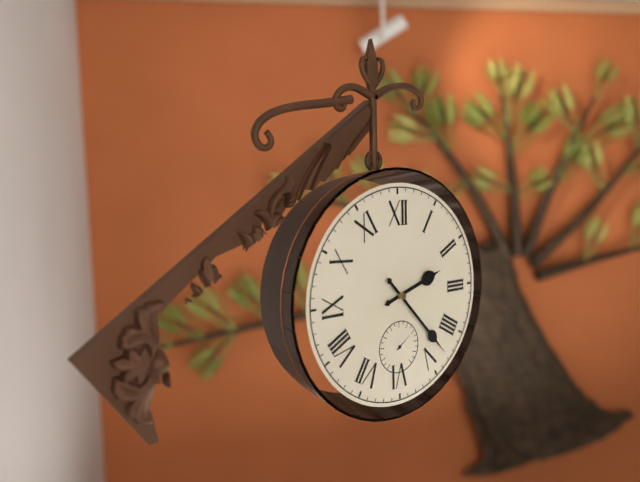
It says 2:23
